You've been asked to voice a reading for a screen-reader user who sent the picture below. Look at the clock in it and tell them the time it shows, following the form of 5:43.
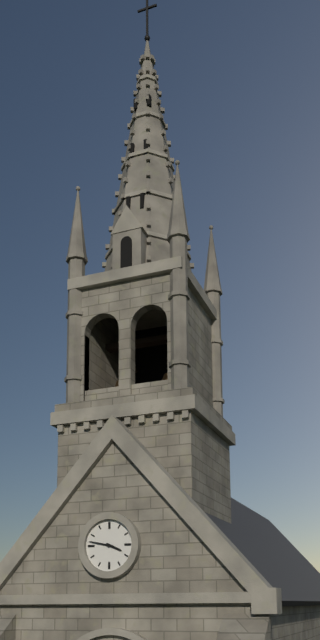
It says 3:47
